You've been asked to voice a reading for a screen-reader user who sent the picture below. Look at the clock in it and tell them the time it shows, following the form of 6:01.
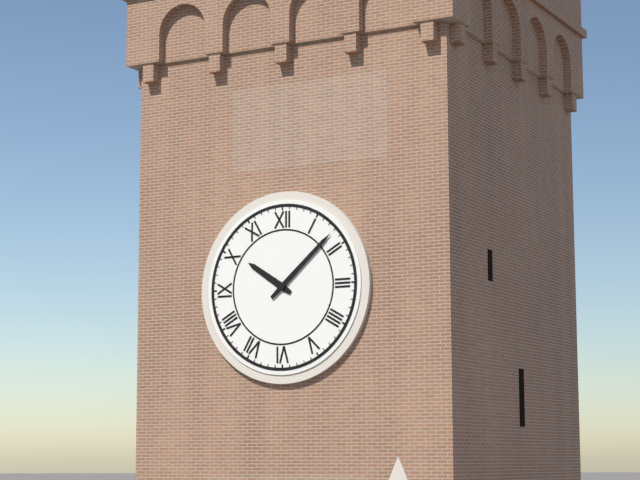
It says 10:08
